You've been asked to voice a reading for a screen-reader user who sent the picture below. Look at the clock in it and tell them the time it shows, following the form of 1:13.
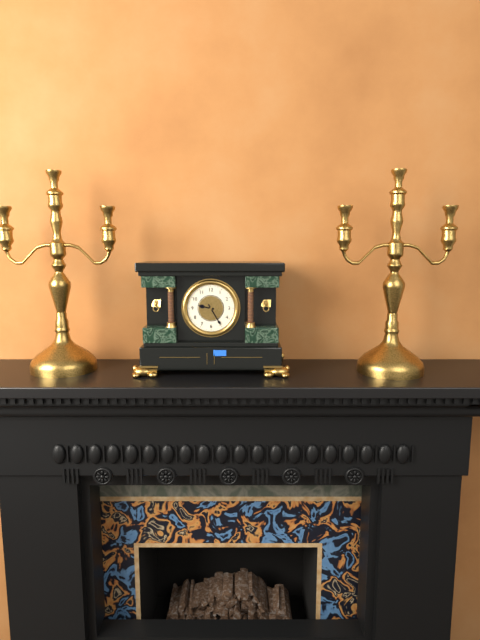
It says 9:25
